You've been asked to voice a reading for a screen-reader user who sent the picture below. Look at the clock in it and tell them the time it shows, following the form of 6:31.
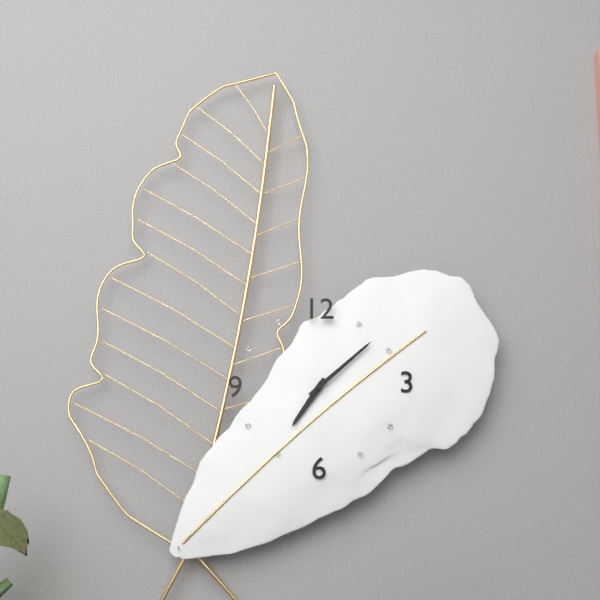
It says 7:08
